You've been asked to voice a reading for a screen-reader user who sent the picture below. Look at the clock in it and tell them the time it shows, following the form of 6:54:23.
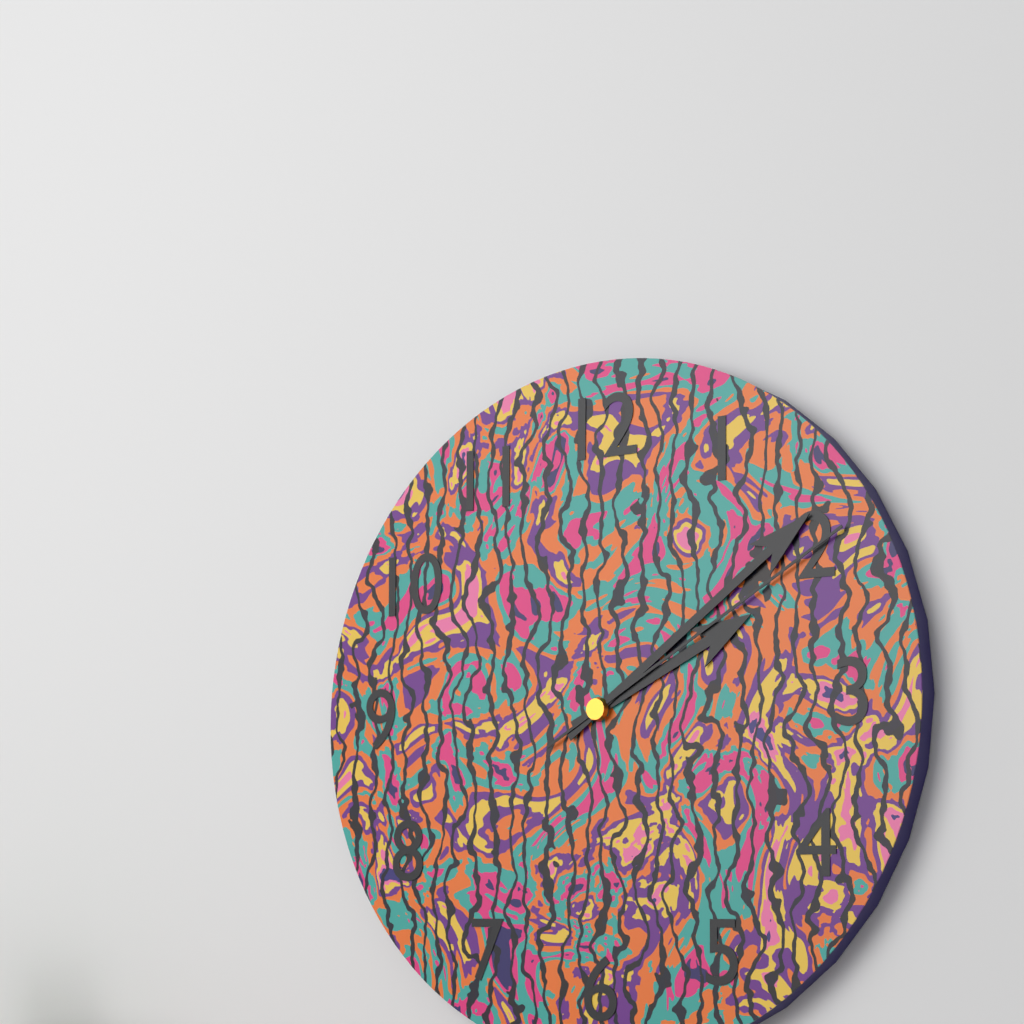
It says 2:09:10
